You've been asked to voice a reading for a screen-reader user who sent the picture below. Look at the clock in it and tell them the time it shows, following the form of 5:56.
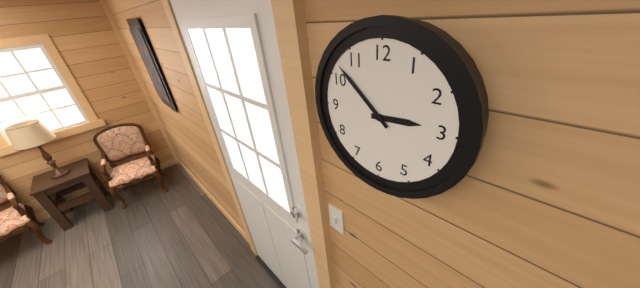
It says 2:52
